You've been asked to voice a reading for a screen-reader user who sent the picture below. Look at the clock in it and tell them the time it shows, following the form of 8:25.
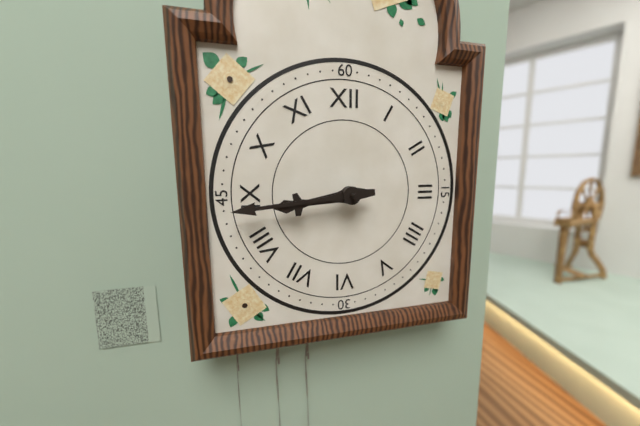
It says 8:44
